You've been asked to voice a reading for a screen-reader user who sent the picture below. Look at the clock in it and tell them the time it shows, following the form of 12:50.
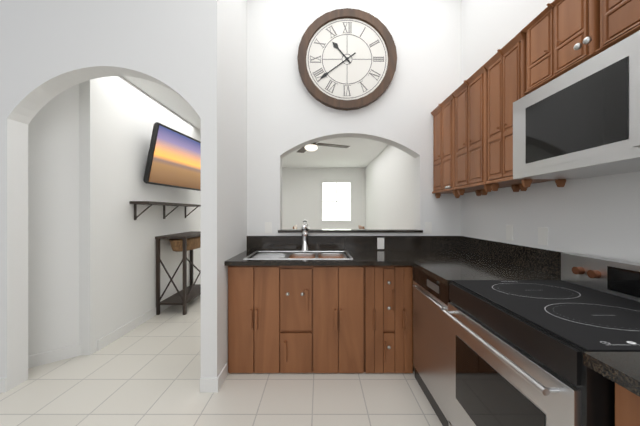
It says 10:39
